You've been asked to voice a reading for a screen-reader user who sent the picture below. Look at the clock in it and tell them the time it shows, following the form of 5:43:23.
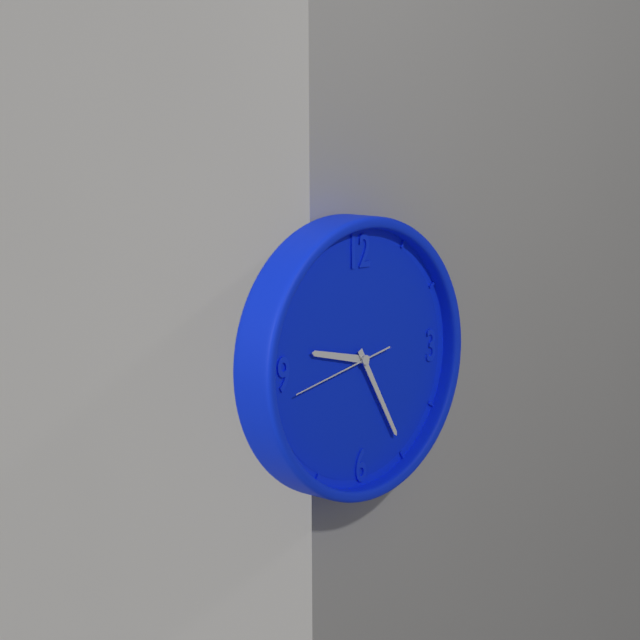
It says 9:25:43
